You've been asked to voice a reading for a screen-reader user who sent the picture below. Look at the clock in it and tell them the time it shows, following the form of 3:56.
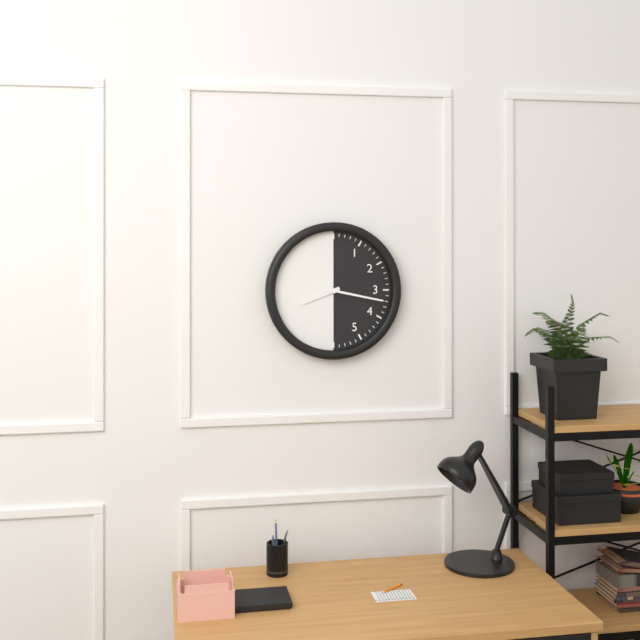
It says 8:17
